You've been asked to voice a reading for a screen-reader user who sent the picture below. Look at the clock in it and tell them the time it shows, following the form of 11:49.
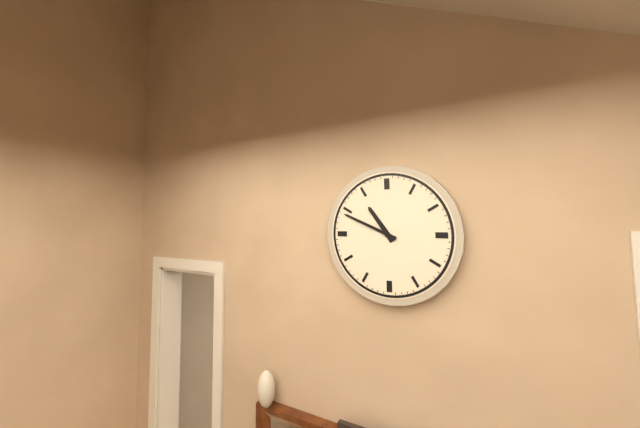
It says 10:49
